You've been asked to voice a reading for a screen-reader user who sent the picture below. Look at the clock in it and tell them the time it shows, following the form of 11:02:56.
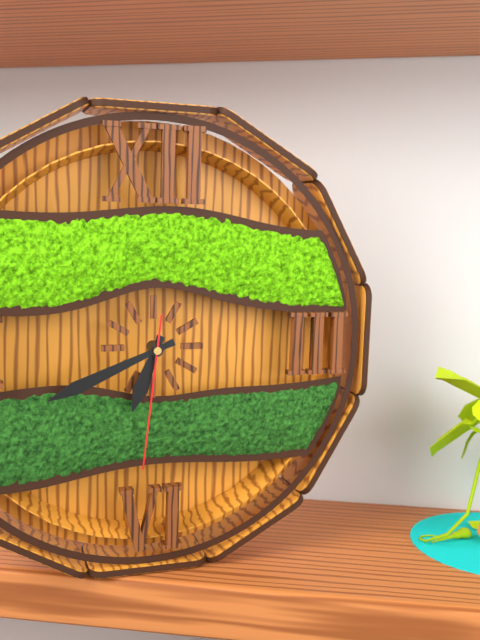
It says 6:41:31
